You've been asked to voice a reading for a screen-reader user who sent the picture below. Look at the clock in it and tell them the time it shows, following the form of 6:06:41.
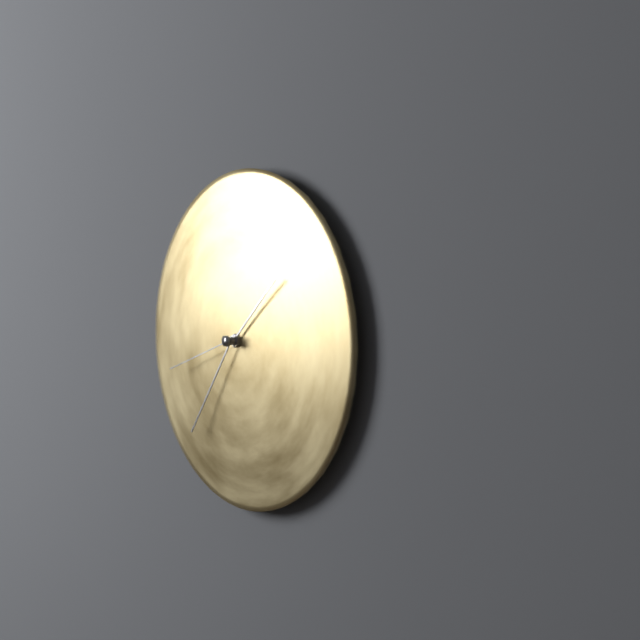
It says 1:36:42
